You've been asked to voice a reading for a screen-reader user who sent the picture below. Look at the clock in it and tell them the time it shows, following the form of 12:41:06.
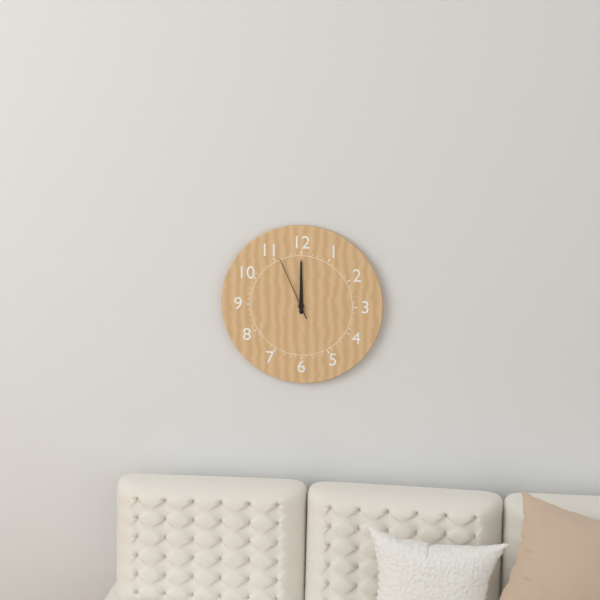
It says 12:00:56
